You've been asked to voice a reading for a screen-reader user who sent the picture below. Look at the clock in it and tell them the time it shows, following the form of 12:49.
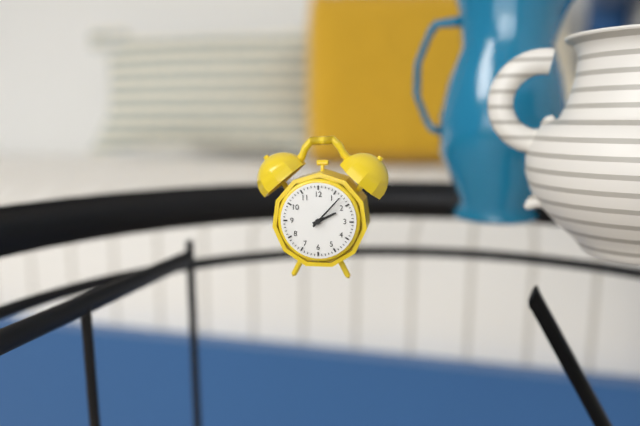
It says 2:07
